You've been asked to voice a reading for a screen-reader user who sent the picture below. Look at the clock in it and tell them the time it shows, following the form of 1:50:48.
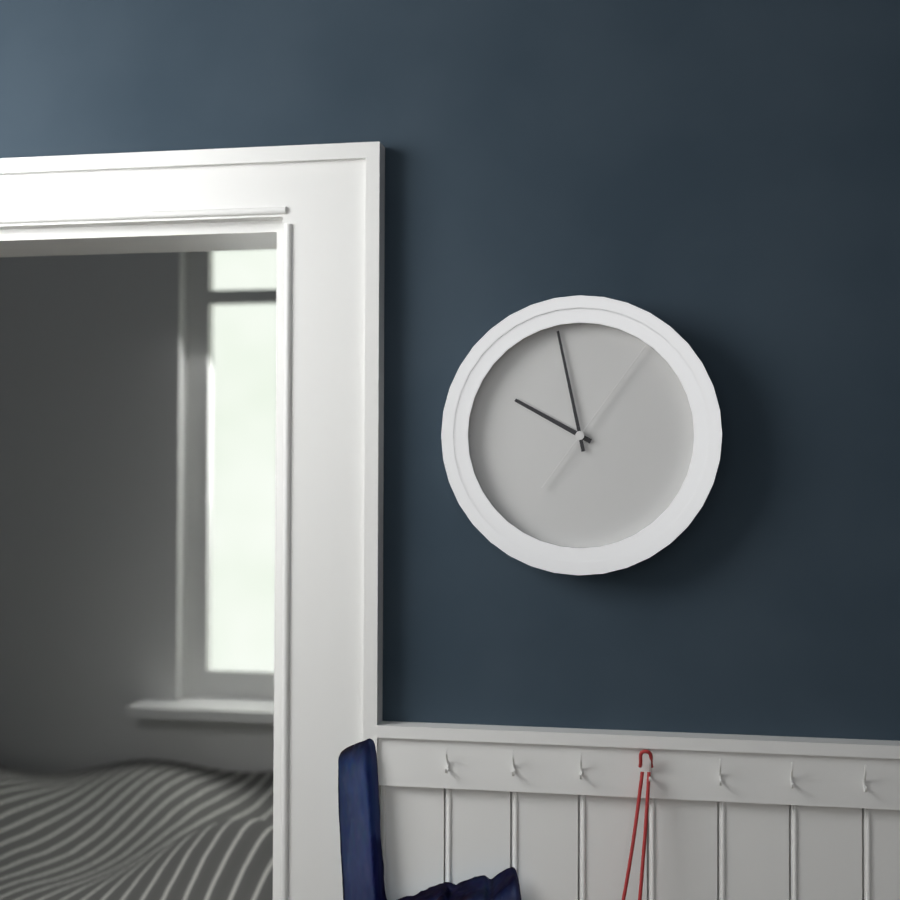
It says 9:58:06
